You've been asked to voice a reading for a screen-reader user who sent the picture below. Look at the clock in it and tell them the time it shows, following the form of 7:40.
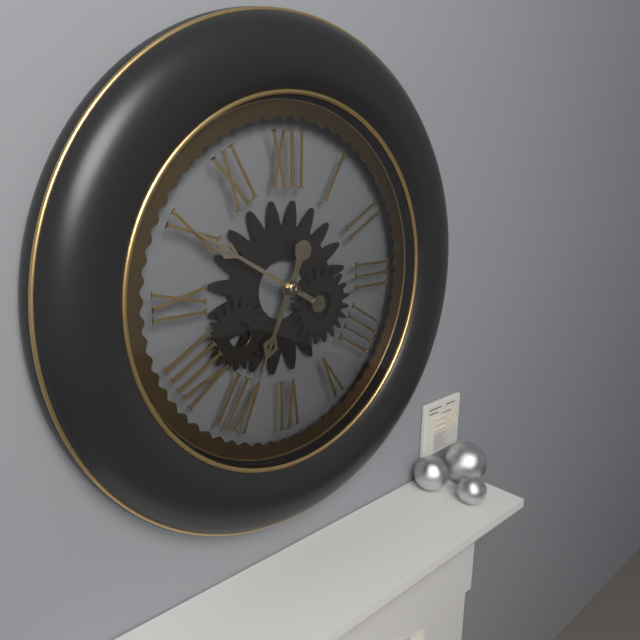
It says 6:50
